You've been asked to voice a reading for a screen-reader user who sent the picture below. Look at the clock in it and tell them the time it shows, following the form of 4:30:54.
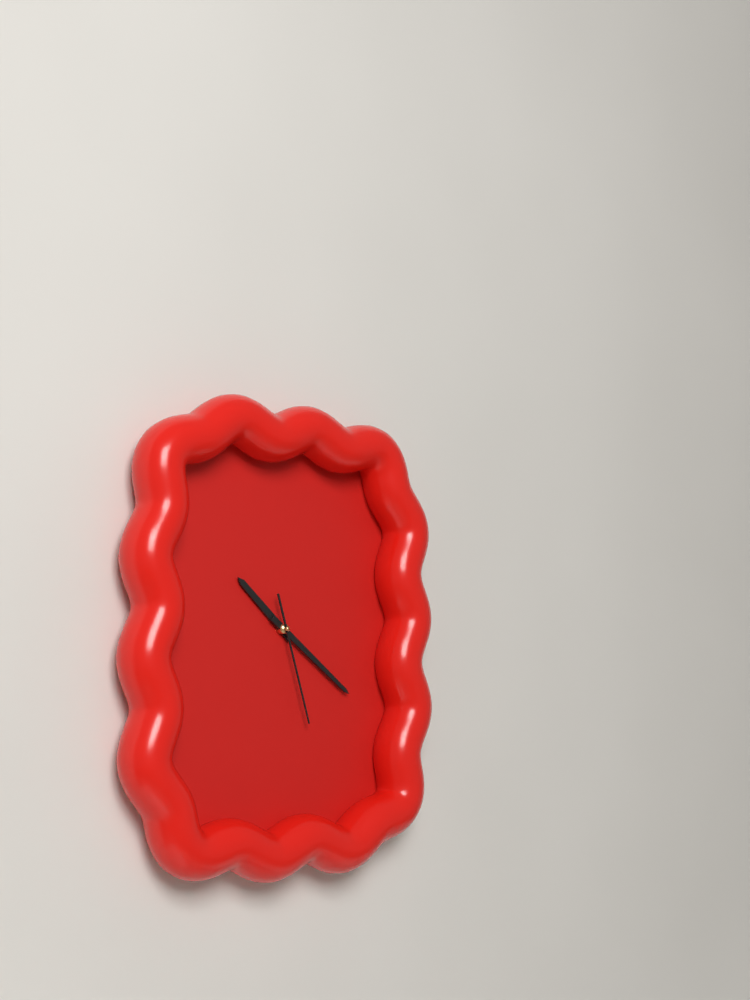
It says 10:21:27
